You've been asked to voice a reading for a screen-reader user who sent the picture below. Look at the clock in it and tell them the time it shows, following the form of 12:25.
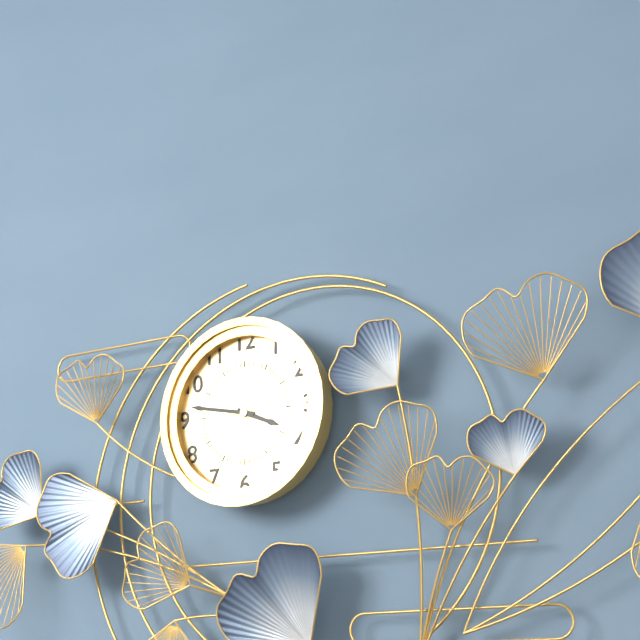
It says 3:47
